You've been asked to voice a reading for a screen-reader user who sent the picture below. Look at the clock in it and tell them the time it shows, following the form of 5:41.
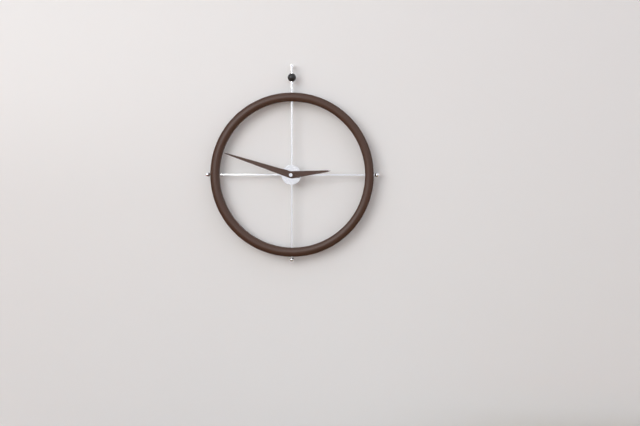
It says 2:48
